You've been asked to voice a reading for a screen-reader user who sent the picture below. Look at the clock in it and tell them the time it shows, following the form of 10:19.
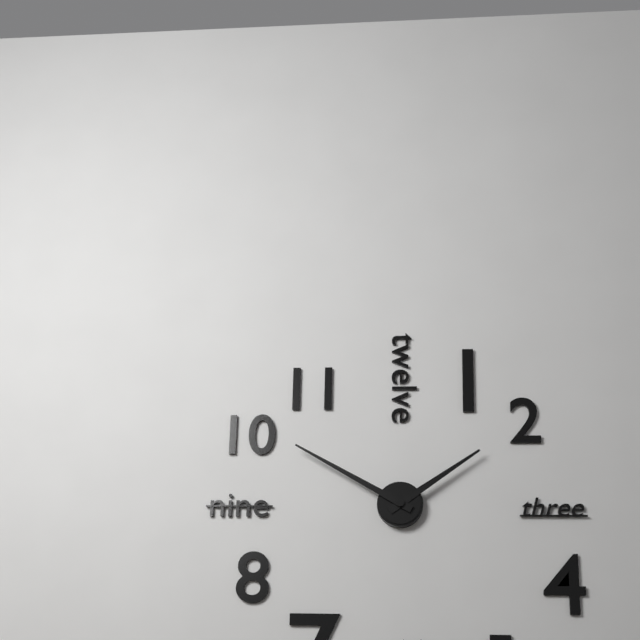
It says 1:50
